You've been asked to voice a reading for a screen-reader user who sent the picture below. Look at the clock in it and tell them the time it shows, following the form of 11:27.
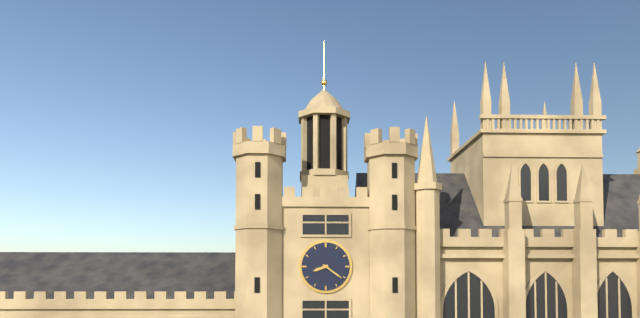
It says 8:21
